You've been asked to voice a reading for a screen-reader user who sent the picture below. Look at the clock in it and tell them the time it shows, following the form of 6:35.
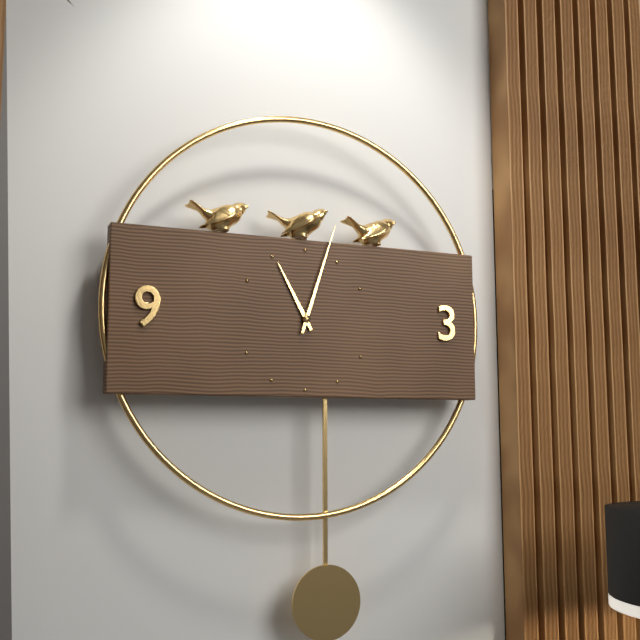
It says 11:03
